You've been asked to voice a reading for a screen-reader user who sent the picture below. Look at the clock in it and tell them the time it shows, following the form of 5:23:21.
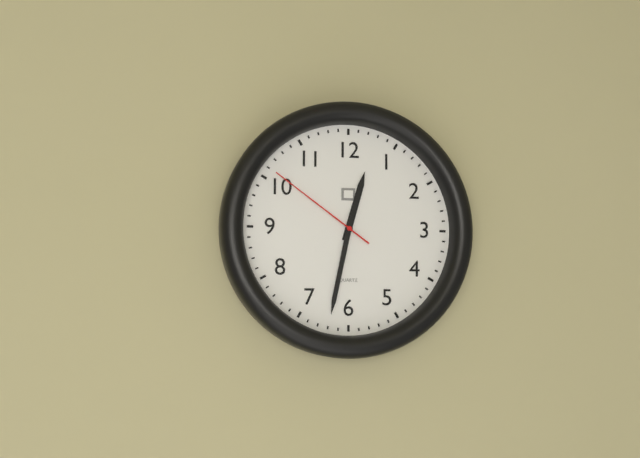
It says 12:32:51
